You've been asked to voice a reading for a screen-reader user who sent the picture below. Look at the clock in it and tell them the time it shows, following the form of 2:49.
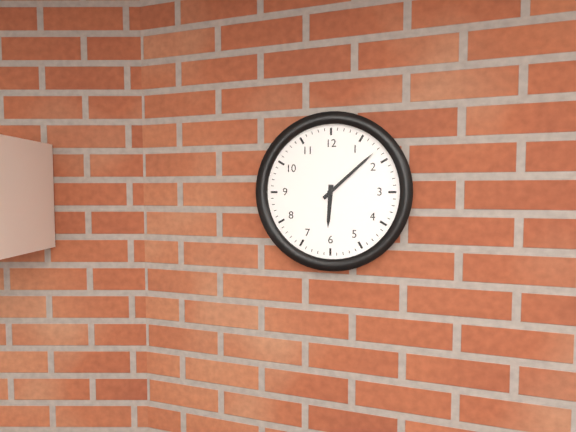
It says 6:08
